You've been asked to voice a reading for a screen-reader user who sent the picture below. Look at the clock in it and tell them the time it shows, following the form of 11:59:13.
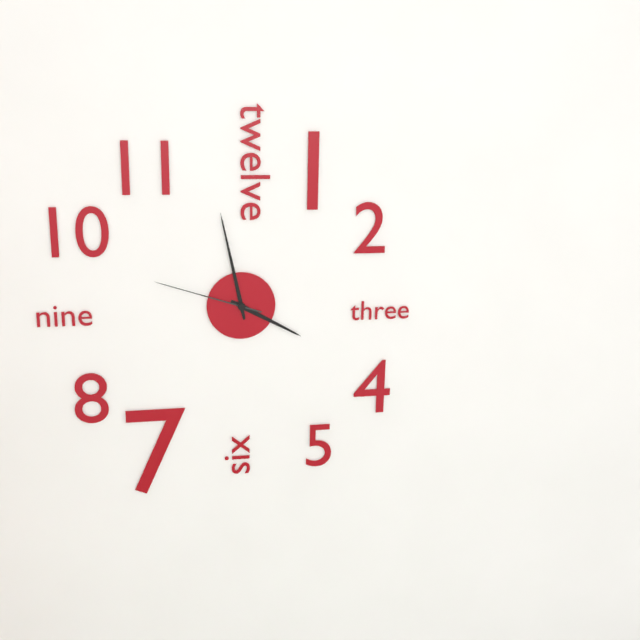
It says 3:58:48
